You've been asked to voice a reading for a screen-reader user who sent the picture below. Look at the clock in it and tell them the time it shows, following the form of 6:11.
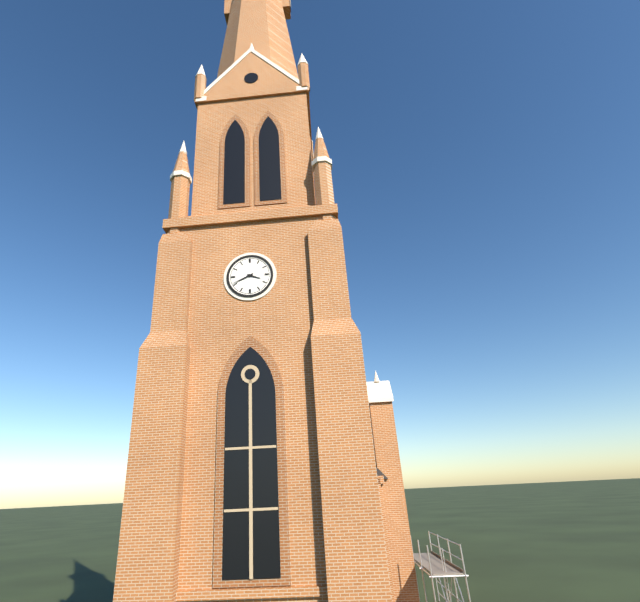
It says 3:41
